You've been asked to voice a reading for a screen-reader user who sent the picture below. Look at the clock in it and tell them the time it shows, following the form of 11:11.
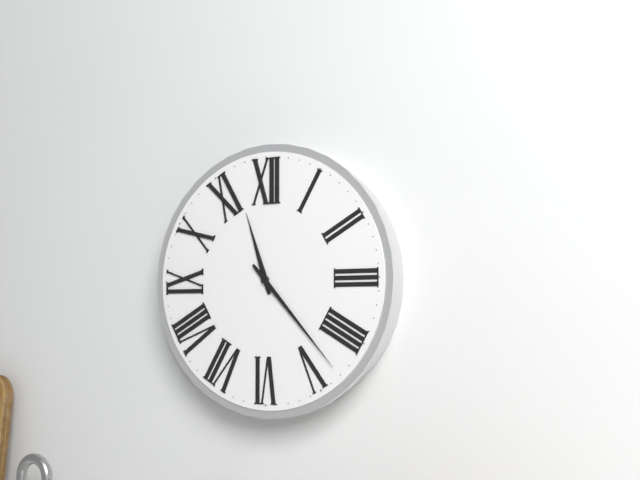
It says 11:23
